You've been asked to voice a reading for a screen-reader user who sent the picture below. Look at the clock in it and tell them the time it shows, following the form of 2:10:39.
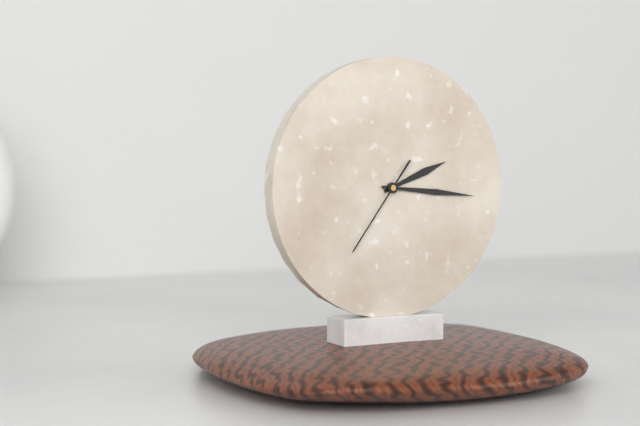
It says 2:16:36
